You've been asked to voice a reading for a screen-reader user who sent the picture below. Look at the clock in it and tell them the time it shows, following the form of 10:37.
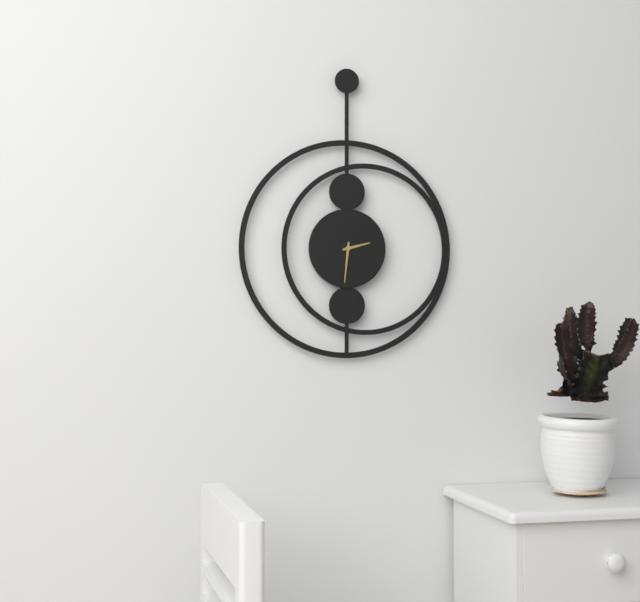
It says 2:31
